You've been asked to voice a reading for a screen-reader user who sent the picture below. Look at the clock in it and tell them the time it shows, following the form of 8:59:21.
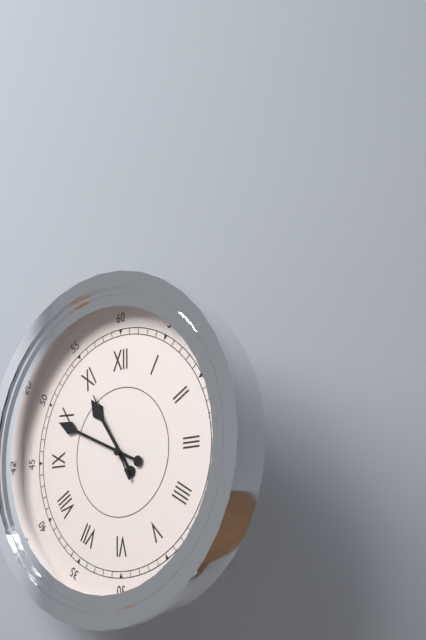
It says 10:49:55
